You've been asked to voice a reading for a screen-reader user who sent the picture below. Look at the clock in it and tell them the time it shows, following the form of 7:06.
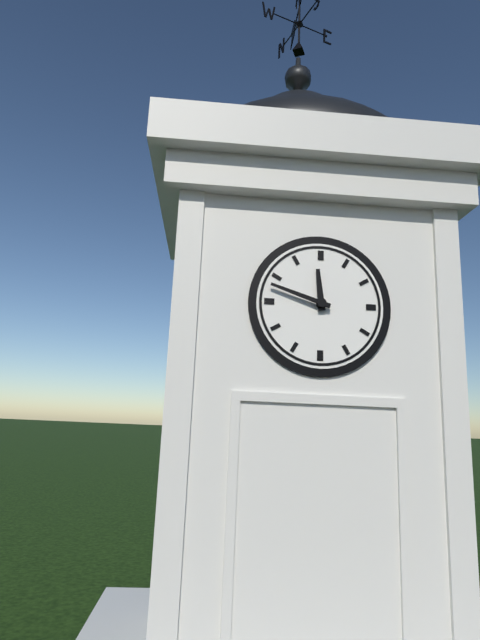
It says 11:48
